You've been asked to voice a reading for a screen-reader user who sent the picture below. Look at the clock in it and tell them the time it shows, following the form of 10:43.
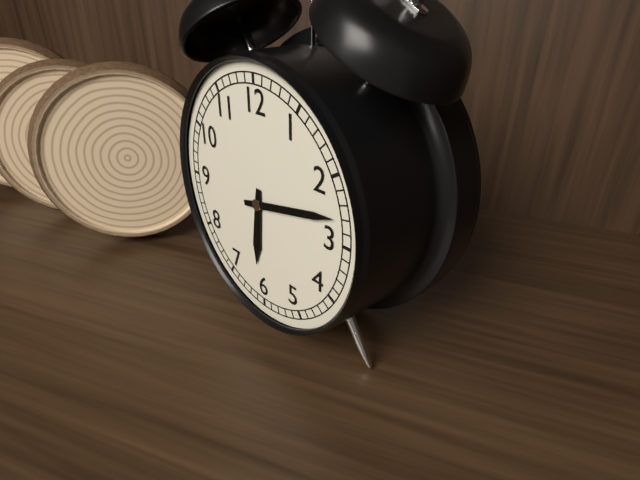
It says 6:13
